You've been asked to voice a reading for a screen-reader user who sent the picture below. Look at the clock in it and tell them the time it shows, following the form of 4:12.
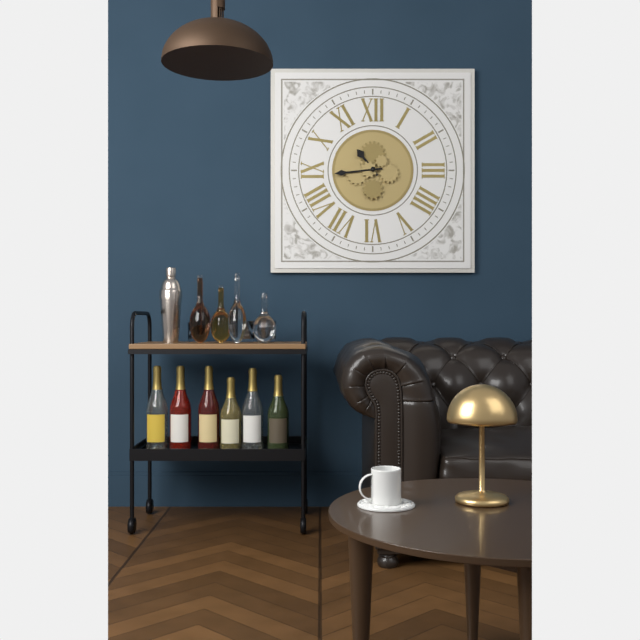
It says 10:44
